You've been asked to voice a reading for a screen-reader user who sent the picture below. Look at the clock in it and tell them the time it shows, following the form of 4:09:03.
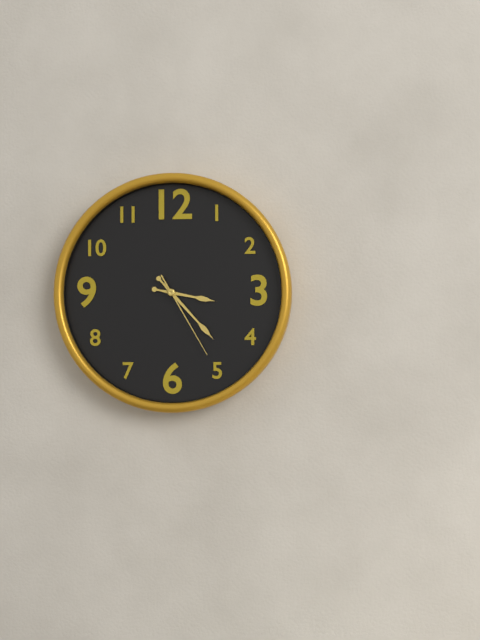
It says 3:23:25
